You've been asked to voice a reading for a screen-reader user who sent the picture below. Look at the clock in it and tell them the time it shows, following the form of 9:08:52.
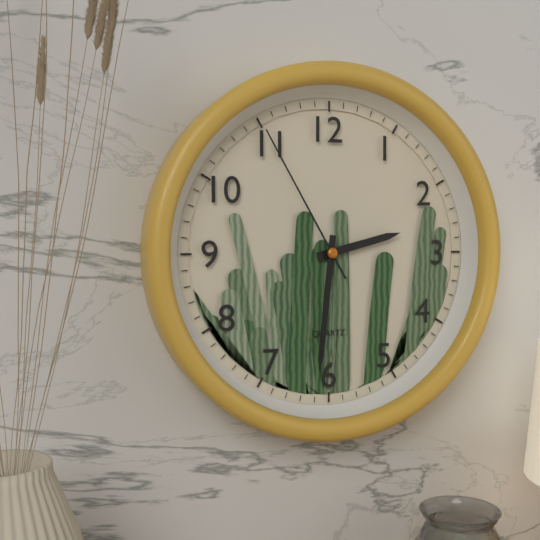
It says 2:31:55
